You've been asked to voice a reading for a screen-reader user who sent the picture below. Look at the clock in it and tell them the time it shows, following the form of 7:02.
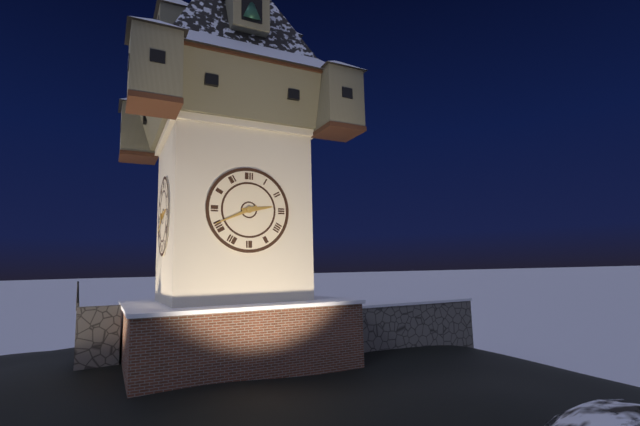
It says 2:41
